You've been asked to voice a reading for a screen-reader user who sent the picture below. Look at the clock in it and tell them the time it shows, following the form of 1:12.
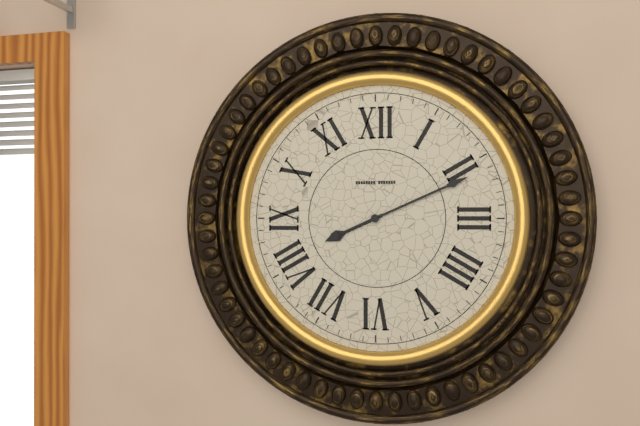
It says 8:11
